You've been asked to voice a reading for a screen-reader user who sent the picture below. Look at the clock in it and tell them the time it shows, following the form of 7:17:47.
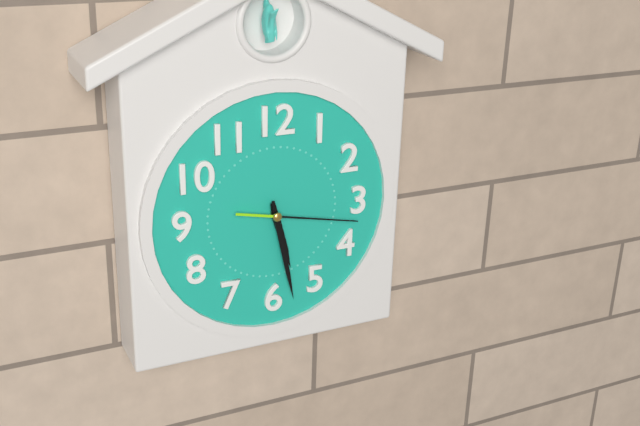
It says 5:28:17
